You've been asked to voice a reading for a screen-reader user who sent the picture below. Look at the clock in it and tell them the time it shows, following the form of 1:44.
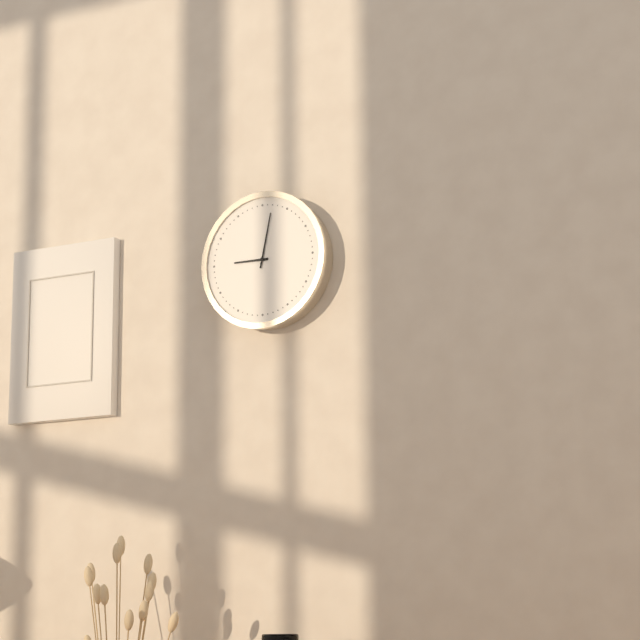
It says 9:02
